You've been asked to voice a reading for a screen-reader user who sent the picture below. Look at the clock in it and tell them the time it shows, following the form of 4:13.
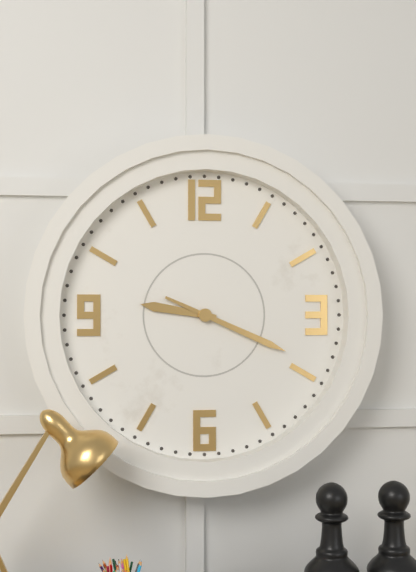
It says 9:19
